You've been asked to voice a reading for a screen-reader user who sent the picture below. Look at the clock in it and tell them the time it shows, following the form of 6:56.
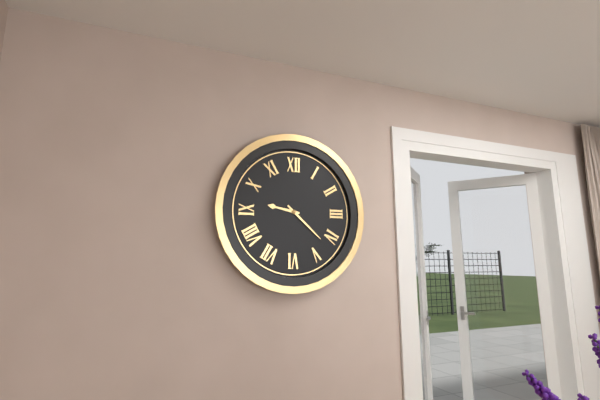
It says 9:22
